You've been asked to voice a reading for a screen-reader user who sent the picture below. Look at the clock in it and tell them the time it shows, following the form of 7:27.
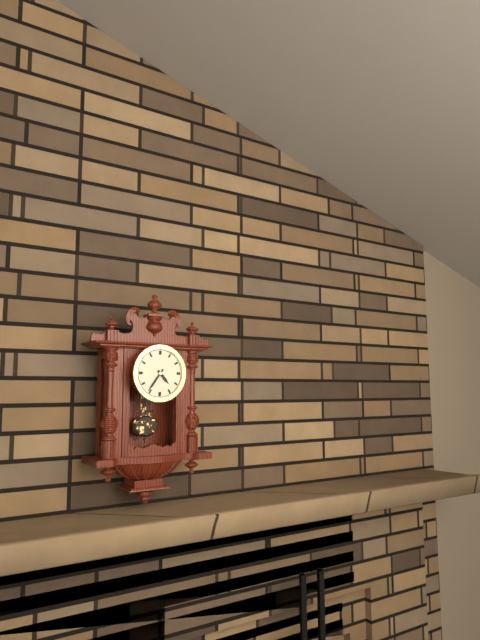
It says 4:36
